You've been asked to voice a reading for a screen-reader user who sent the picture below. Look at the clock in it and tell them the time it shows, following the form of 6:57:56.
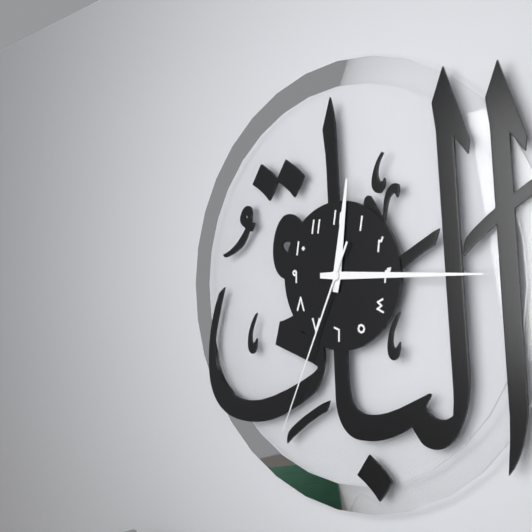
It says 12:15:34
